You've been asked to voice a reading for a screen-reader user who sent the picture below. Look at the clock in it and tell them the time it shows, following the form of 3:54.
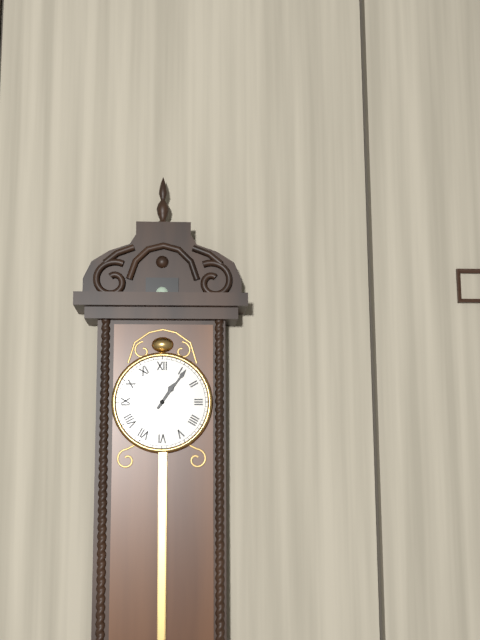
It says 1:06
